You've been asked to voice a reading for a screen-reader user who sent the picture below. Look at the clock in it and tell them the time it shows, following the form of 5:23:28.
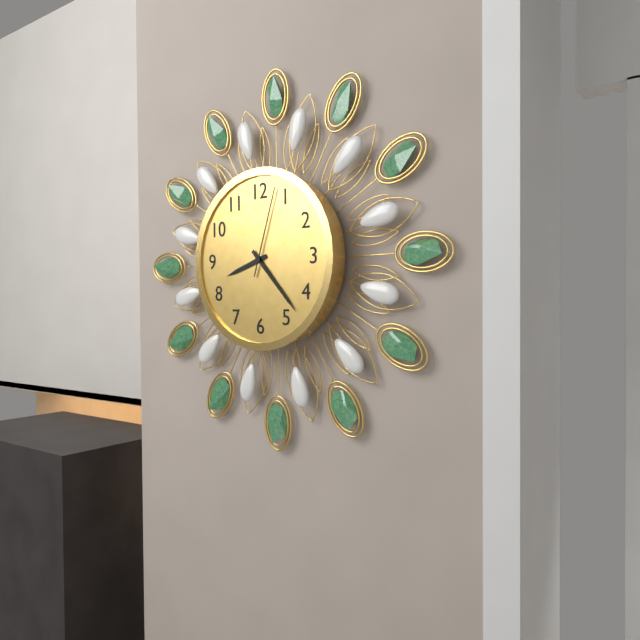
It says 8:23:03
